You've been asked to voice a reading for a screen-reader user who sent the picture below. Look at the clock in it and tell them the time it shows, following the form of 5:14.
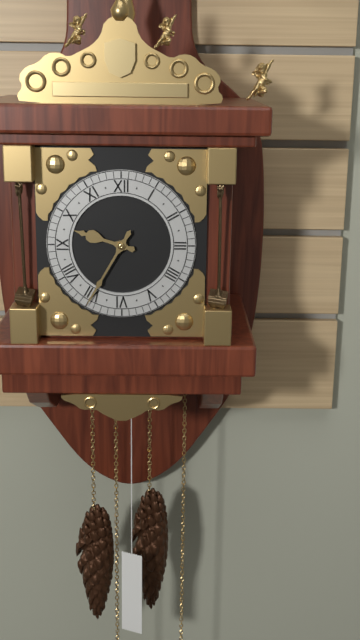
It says 9:35
